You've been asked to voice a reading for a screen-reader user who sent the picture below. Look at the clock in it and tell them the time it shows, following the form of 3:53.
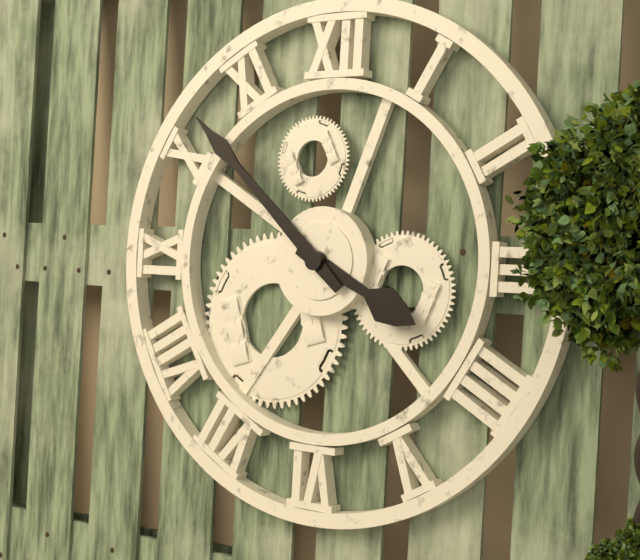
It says 3:52
